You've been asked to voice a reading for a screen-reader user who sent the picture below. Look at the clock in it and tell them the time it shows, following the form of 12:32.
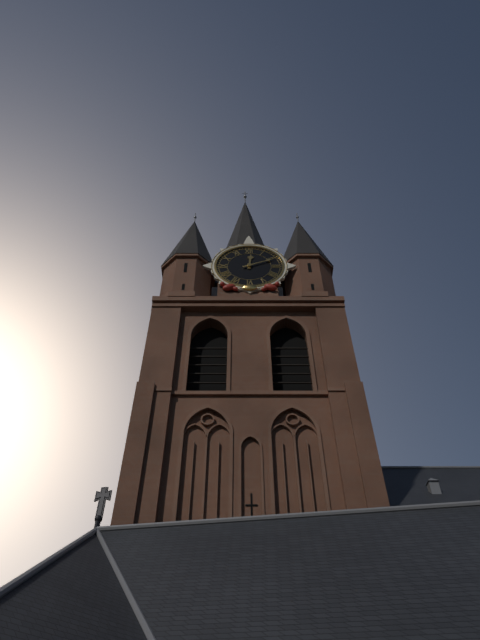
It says 12:11
